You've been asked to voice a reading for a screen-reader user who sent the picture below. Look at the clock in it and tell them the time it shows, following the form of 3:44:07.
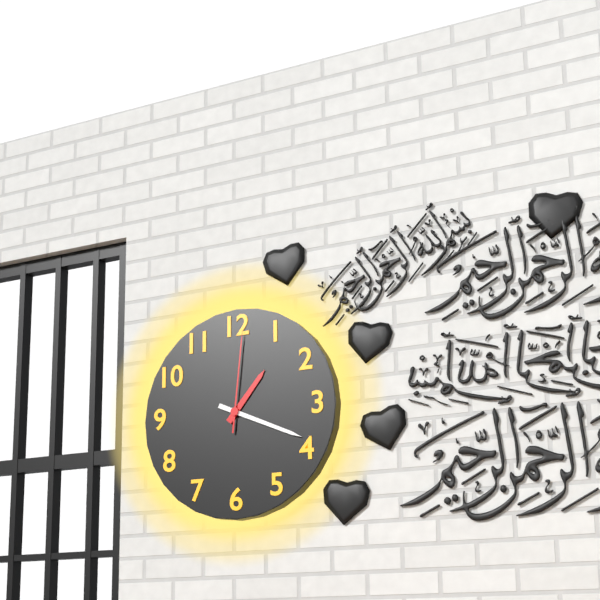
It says 1:19:01
